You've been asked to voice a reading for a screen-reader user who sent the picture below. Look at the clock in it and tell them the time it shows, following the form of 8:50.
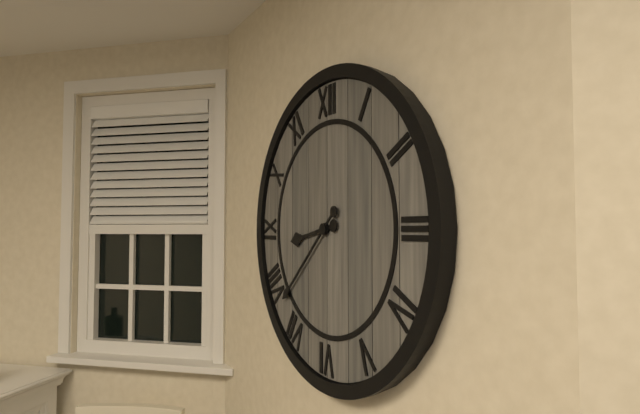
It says 8:38
